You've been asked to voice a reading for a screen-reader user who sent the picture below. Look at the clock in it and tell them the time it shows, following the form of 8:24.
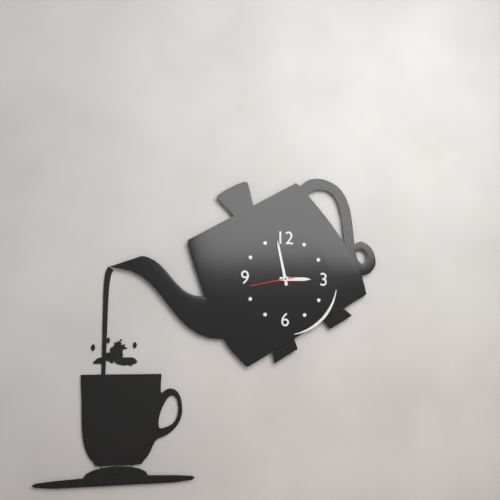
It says 2:58
